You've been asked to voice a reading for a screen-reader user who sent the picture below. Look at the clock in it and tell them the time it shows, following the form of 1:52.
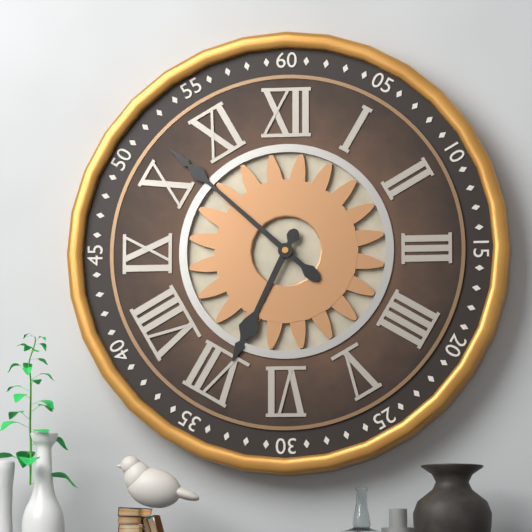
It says 6:52
